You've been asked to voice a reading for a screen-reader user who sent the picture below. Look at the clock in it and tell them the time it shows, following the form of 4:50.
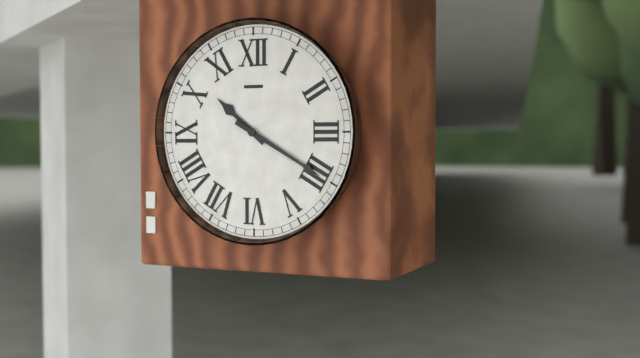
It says 10:20
